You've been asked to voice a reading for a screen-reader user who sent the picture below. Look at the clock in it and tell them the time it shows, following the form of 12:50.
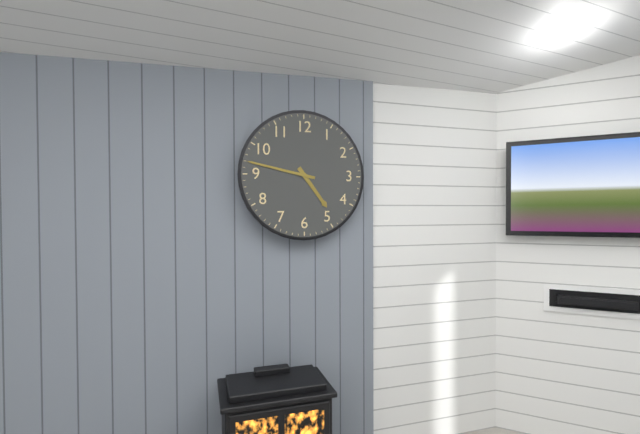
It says 4:47
